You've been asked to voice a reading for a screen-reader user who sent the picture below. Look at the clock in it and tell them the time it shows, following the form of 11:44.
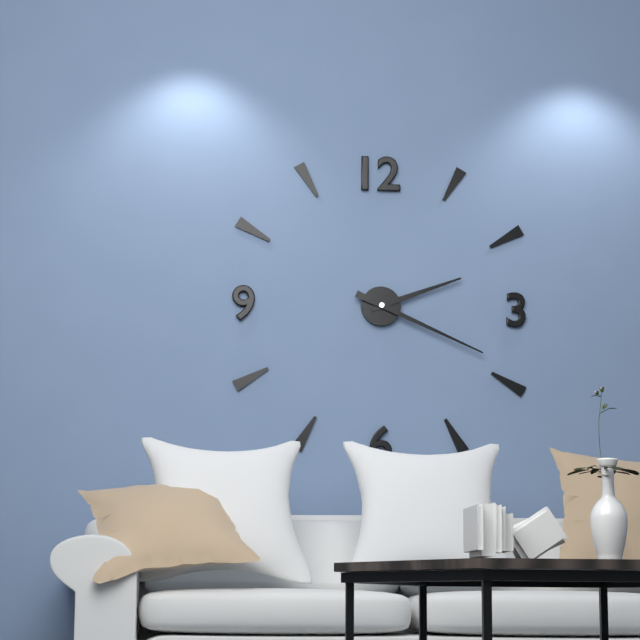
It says 2:19
